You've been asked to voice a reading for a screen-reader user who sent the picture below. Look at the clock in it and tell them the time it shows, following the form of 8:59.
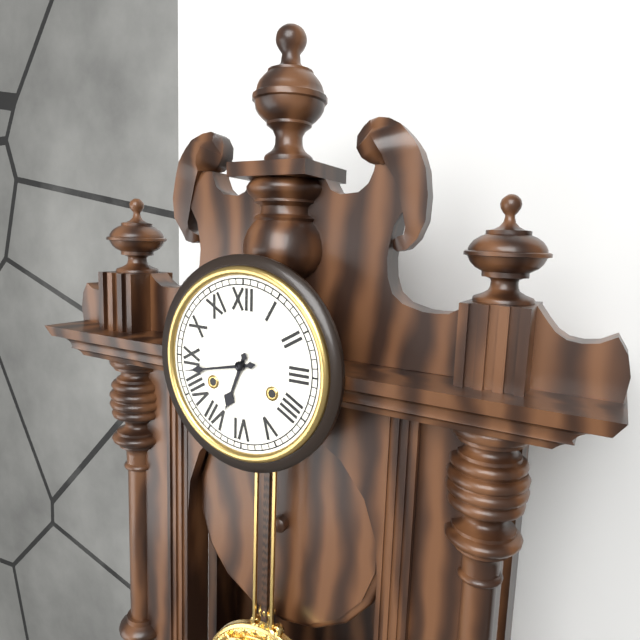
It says 6:43
